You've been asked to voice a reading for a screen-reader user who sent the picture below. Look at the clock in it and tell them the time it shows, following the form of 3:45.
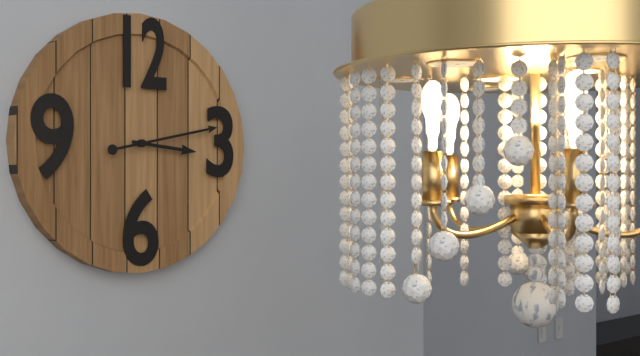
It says 3:13
